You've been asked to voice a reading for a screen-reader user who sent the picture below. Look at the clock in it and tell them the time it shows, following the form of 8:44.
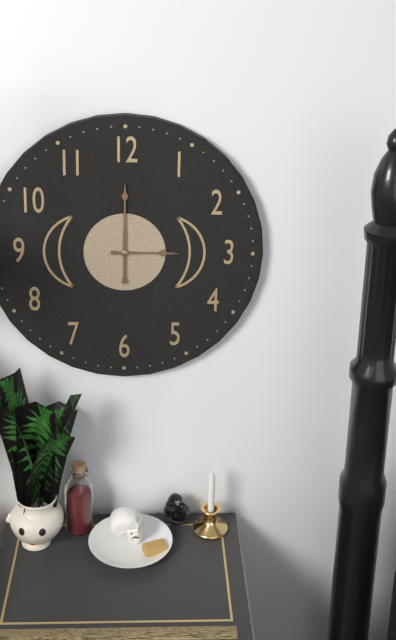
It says 3:00
